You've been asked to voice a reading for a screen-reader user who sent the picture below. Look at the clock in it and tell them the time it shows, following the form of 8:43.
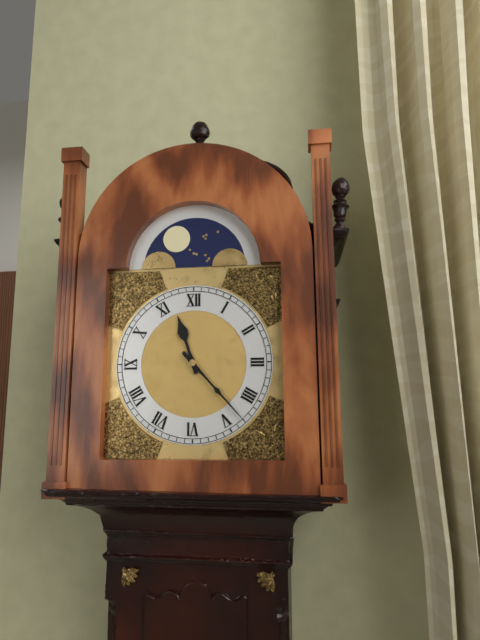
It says 11:23
